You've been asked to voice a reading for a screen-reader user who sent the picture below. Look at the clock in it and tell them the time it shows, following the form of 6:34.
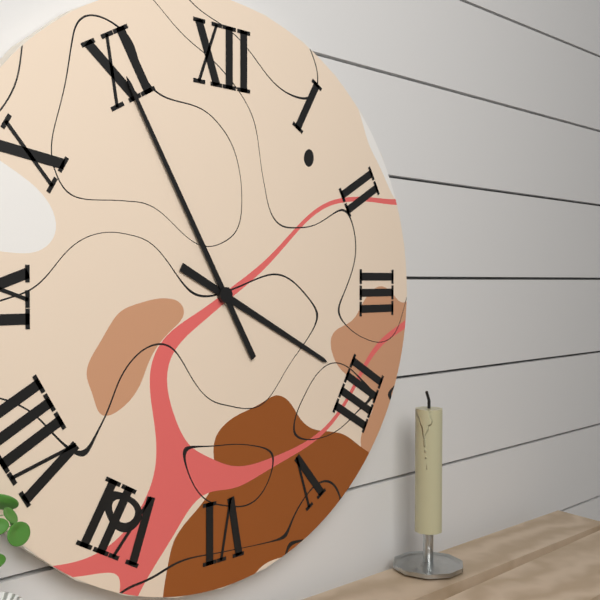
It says 3:55
